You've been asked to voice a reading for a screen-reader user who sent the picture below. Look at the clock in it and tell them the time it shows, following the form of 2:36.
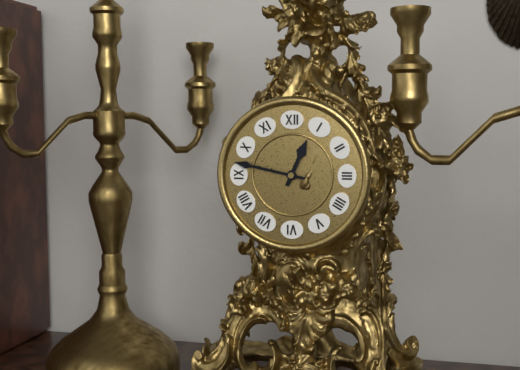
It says 12:47
